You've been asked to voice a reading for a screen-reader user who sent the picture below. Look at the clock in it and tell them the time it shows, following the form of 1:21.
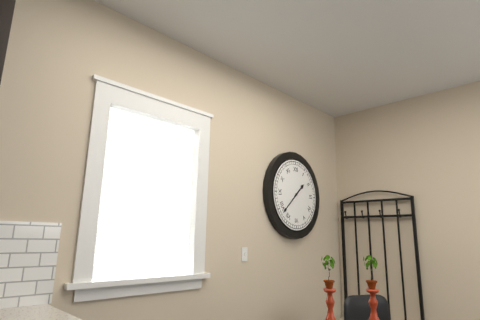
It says 1:38
